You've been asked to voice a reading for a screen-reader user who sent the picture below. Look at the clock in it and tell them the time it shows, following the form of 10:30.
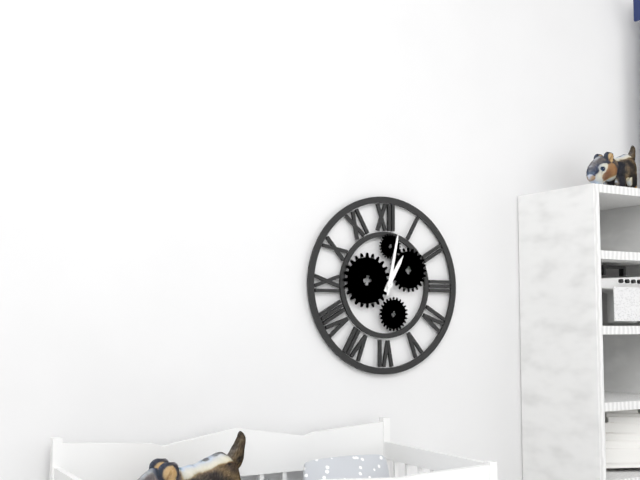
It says 1:02
